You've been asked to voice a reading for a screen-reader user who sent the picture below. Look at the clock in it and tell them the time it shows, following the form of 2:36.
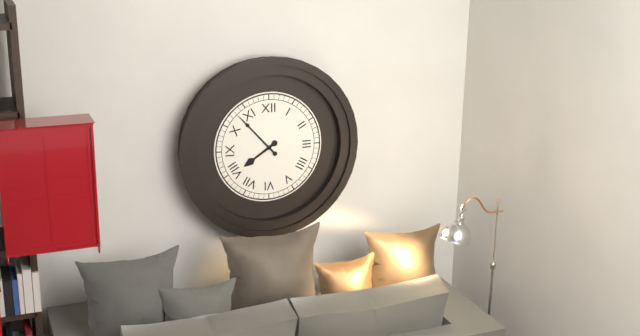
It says 7:53
